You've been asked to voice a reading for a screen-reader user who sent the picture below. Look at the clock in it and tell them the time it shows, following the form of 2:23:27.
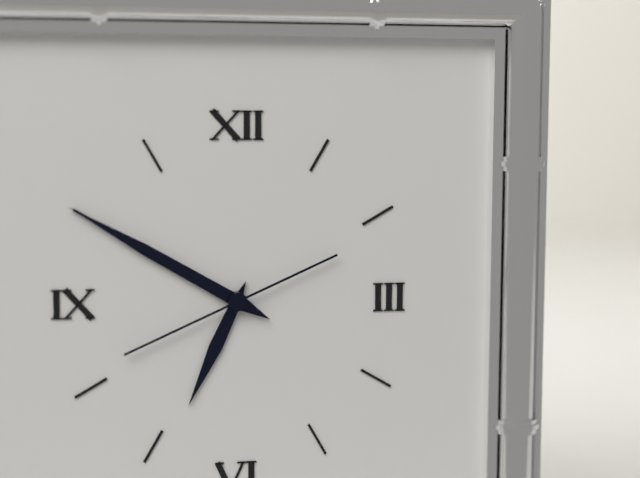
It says 6:50:41
